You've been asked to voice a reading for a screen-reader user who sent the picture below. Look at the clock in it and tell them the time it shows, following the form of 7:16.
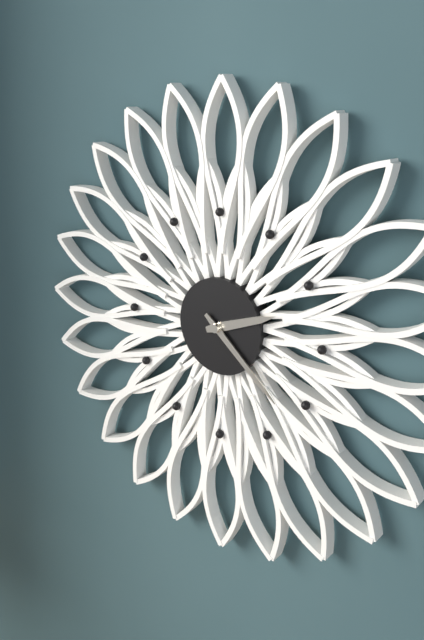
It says 2:22
